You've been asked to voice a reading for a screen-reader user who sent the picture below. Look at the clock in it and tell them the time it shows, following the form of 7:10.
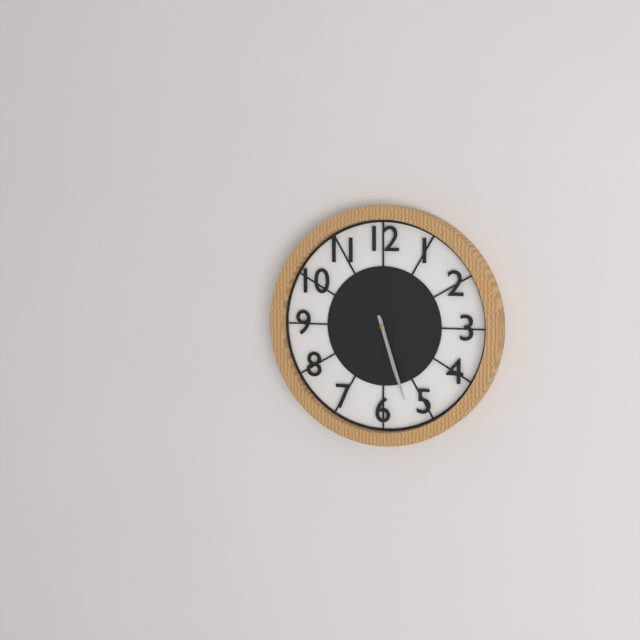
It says 5:27
